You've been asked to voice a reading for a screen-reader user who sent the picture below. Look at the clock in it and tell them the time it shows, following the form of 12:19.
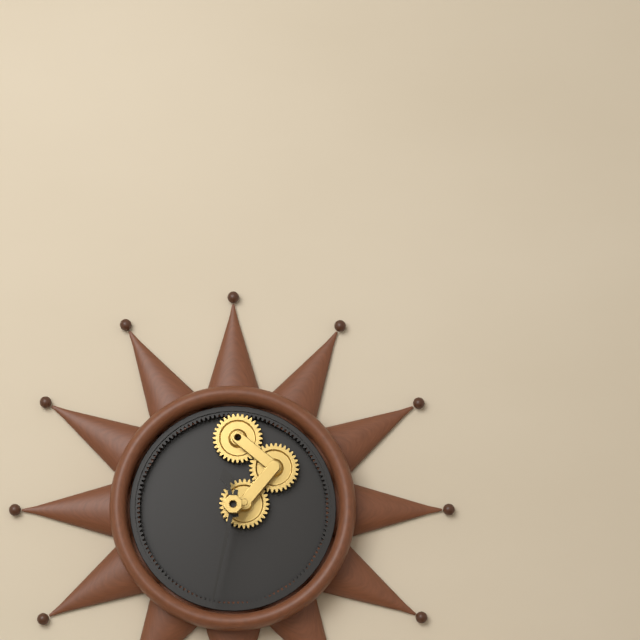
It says 11:32
